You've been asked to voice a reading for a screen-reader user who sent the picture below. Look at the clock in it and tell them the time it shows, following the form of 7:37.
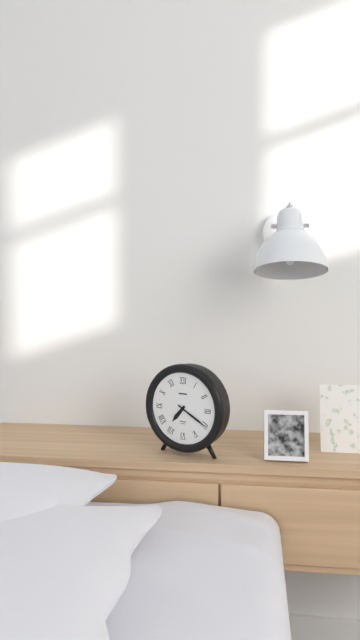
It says 7:20
